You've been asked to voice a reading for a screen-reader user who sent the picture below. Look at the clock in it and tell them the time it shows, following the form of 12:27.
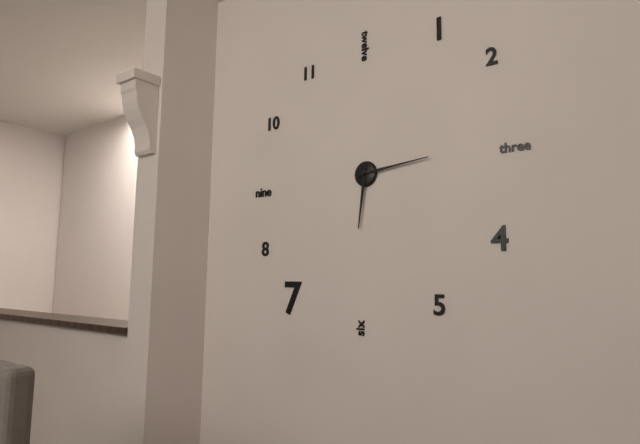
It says 6:14
